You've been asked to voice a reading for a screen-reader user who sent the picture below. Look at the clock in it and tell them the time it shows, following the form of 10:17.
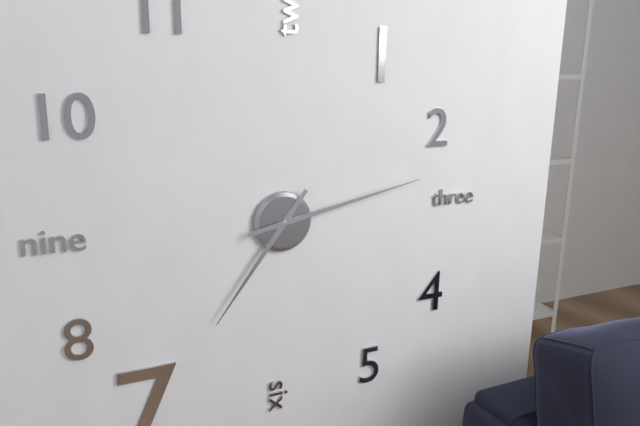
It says 7:13
